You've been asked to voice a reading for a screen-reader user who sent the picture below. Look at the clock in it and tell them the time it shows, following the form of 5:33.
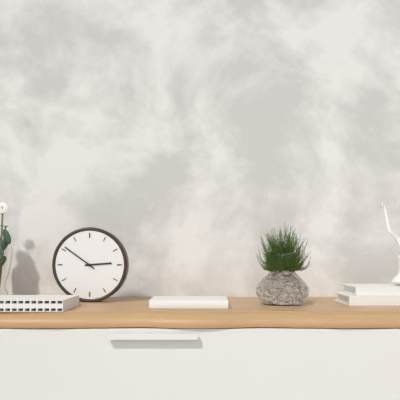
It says 2:51
